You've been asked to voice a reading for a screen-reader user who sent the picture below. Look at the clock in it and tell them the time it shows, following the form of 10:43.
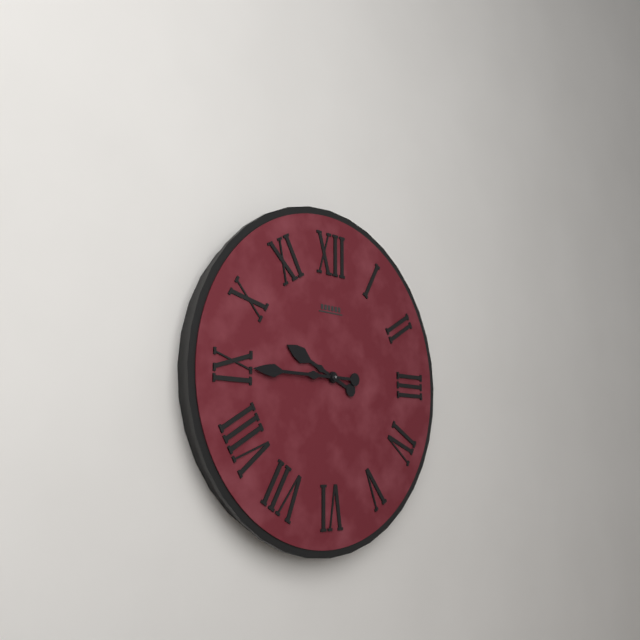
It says 9:45
